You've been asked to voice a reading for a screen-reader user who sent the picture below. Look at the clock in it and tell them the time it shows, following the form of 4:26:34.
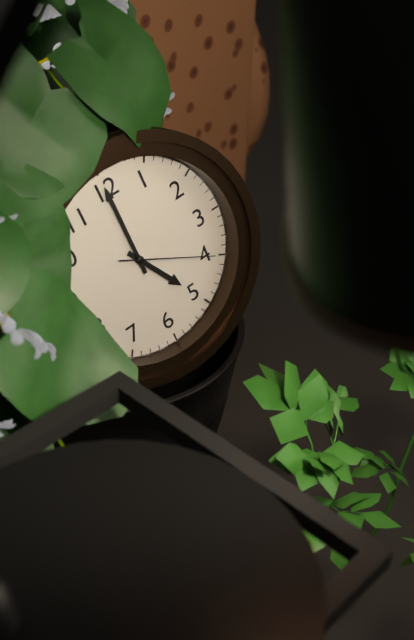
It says 5:00:20
